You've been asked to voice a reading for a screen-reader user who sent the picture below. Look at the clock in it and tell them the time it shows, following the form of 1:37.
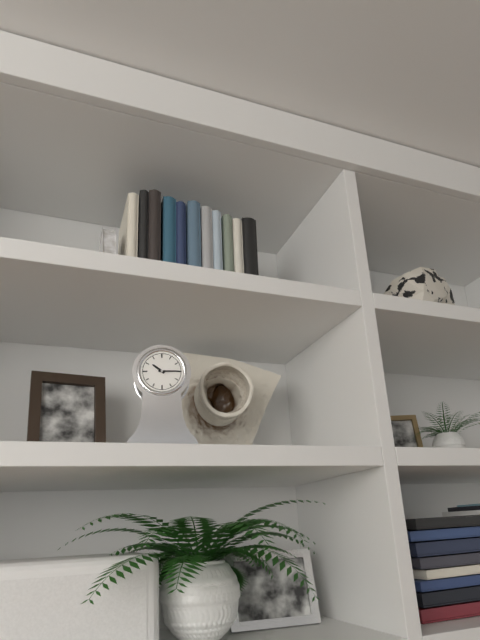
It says 10:15
